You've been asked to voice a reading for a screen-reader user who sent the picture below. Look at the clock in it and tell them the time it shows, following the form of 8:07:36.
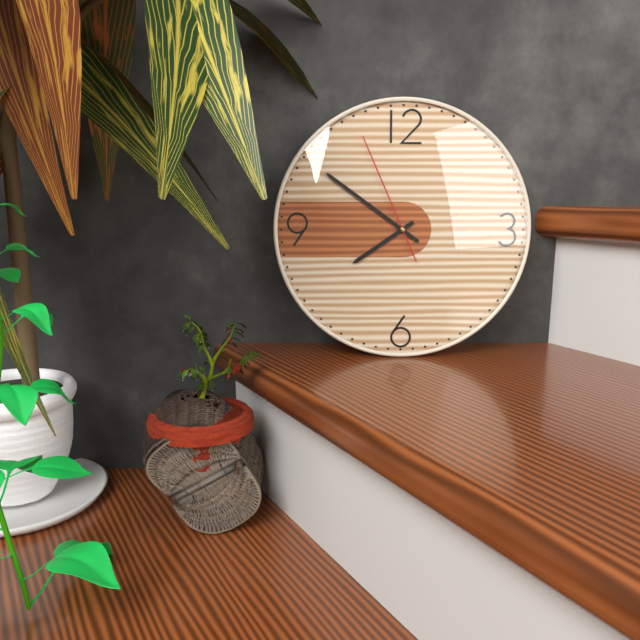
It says 7:51:56
